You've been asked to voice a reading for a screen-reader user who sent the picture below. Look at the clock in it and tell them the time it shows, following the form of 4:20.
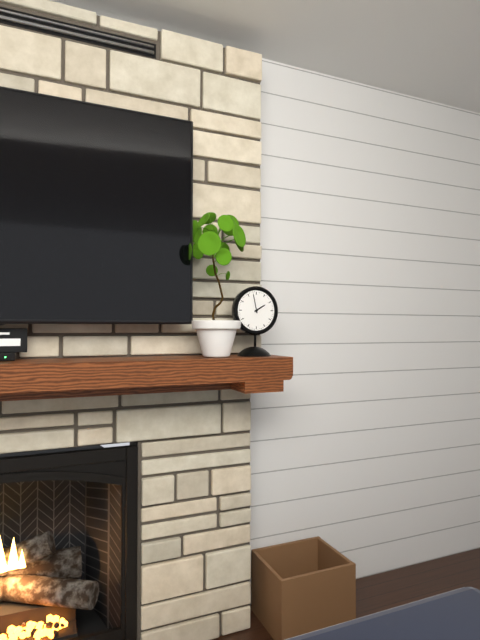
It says 1:58
